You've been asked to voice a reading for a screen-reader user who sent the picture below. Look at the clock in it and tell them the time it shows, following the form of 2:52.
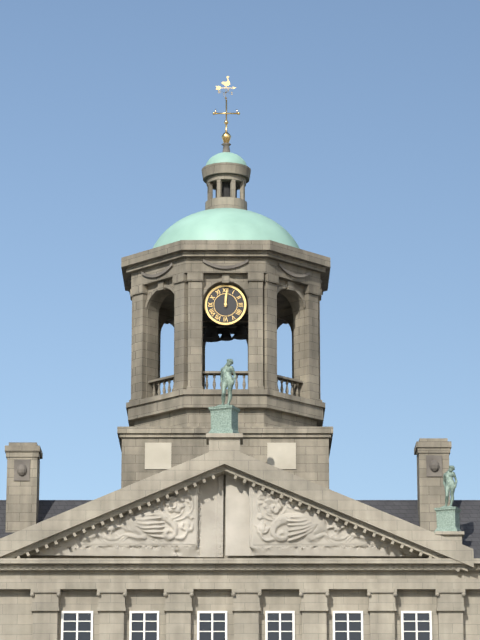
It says 12:01
